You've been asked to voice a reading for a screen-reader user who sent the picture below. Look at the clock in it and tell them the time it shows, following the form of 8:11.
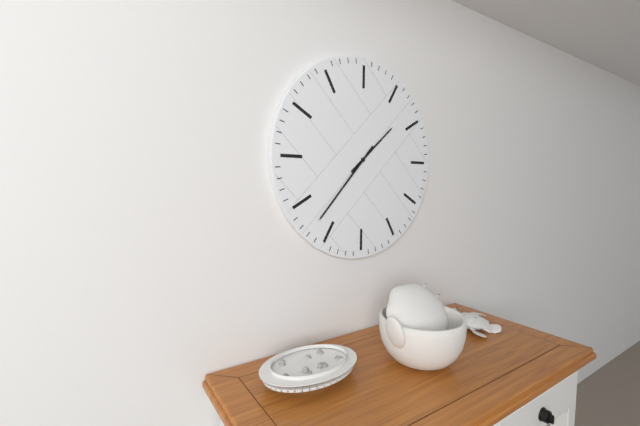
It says 1:37
